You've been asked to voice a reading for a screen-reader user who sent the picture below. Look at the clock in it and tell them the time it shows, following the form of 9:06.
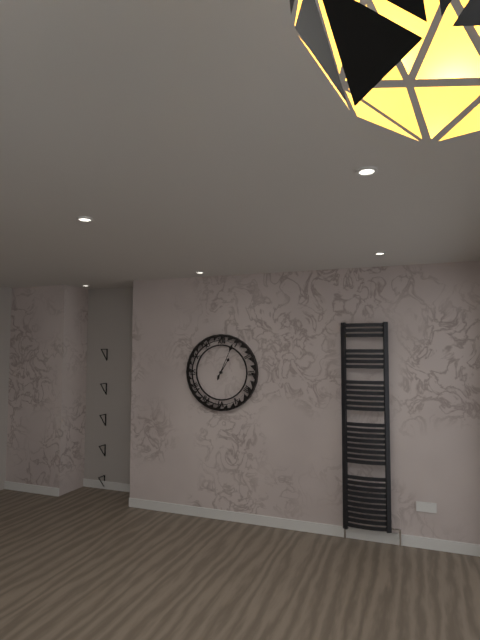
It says 1:04
